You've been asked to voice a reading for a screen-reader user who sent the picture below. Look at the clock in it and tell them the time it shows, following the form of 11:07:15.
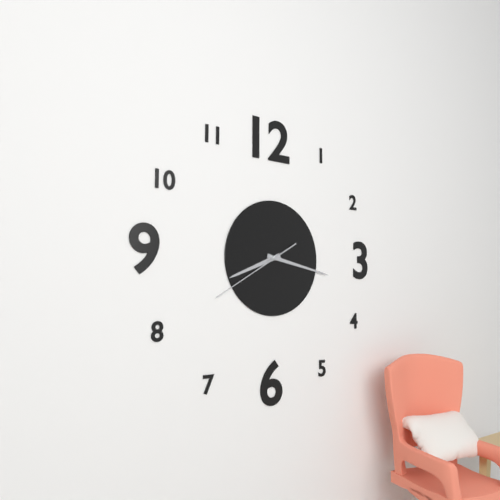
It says 8:17:40
